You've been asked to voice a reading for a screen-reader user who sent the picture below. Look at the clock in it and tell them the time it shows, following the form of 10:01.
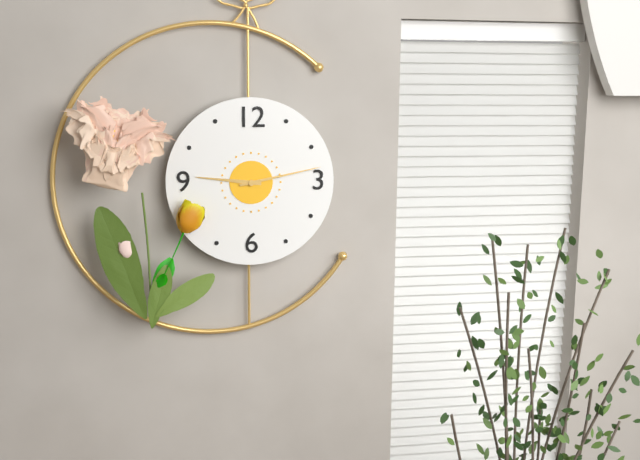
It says 9:13
